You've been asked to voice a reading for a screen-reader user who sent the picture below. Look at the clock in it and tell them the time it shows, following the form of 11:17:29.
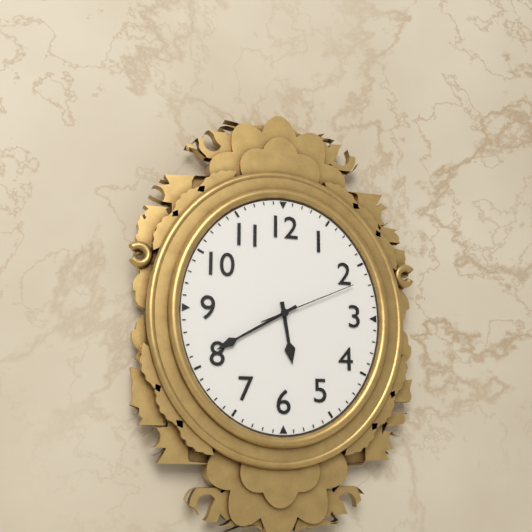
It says 5:40:11
